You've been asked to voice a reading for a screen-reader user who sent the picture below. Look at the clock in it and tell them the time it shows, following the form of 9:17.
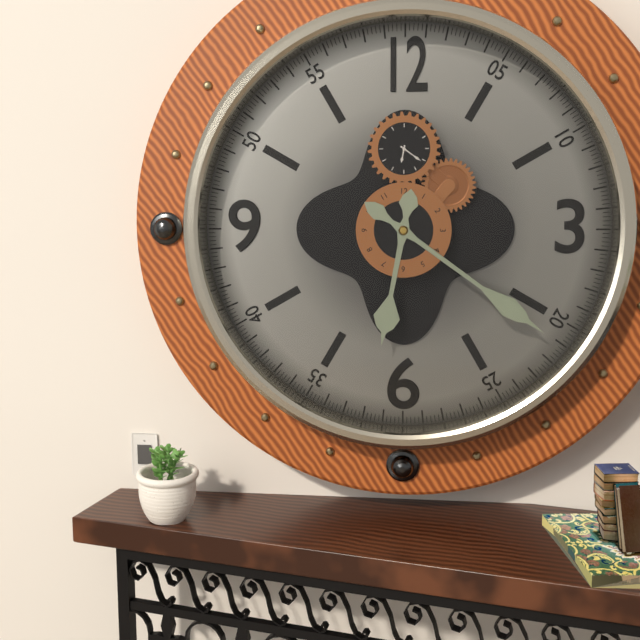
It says 6:21
